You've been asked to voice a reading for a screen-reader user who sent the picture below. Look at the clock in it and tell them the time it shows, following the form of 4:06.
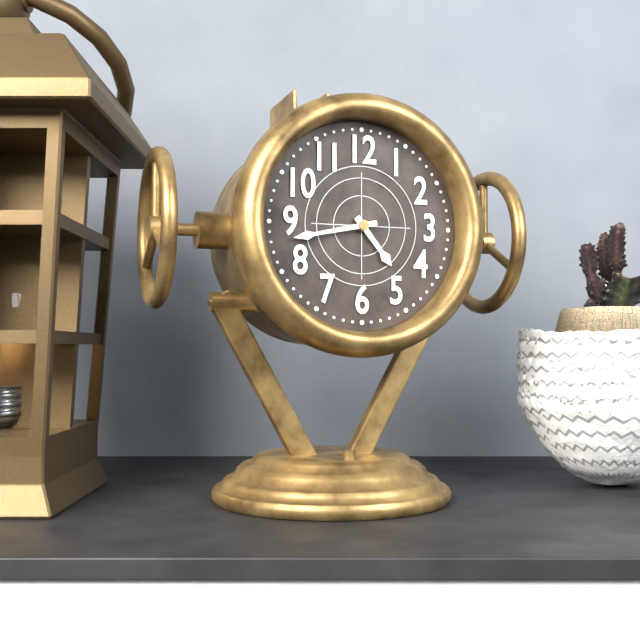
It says 4:43
